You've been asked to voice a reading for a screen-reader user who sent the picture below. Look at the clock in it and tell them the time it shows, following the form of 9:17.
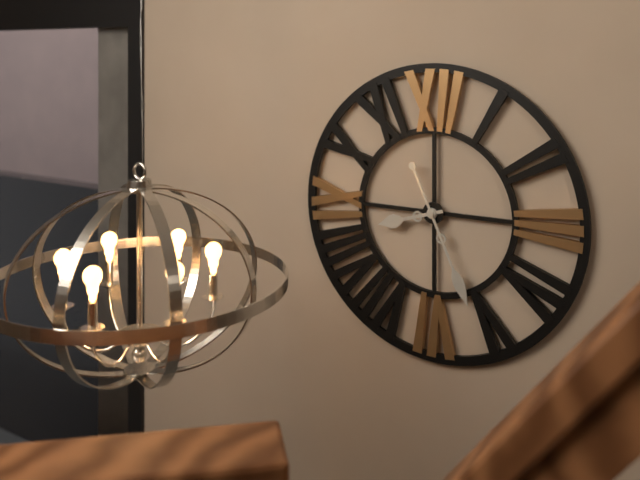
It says 8:26
